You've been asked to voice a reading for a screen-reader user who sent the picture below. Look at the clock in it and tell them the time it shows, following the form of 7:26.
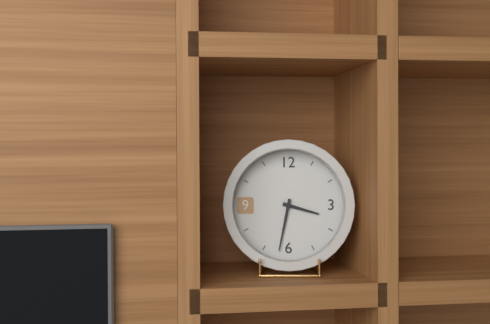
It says 3:32
